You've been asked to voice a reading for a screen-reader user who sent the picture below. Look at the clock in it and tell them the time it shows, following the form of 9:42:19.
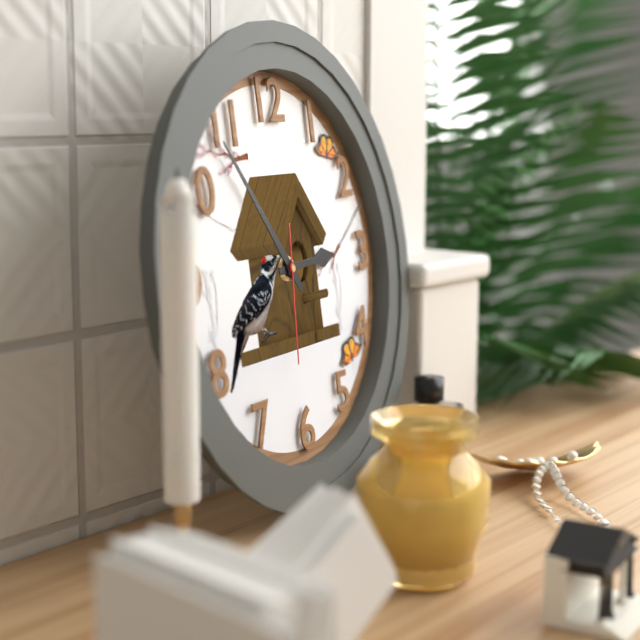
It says 2:54:31
